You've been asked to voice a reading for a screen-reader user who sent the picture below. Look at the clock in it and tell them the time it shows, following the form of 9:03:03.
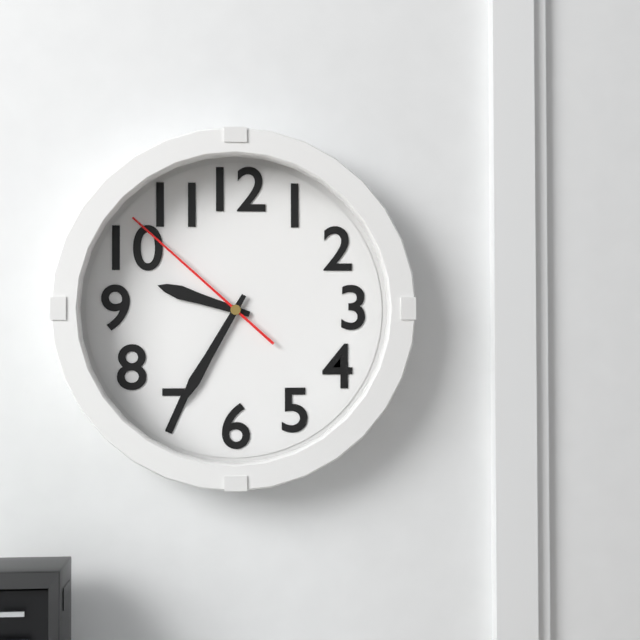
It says 9:35:52
